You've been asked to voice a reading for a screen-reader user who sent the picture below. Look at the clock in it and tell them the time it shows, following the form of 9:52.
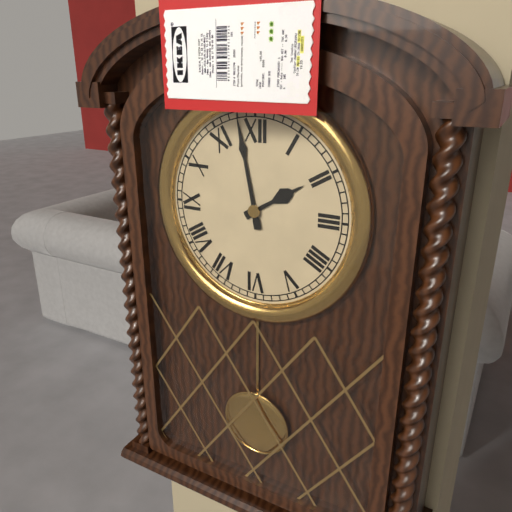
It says 1:58
